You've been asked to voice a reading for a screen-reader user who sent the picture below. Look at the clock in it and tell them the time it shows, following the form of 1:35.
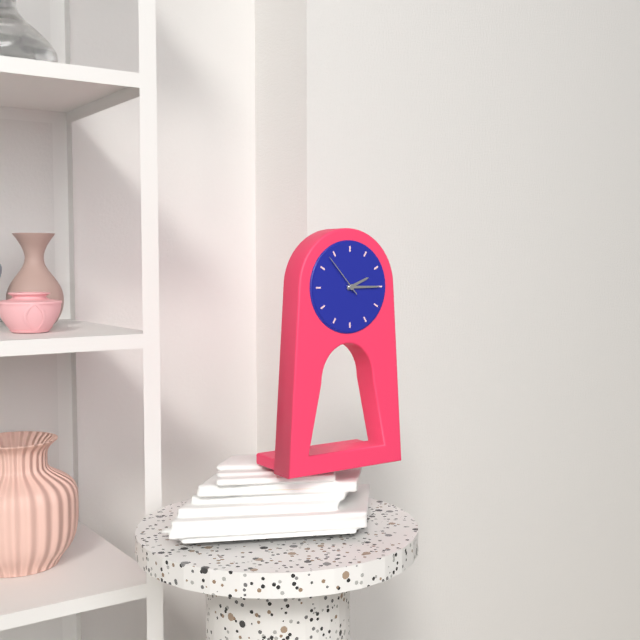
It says 2:15
